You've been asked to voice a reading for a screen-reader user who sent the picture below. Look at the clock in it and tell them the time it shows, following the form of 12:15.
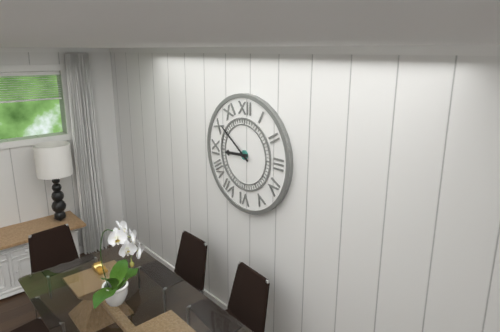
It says 8:51
